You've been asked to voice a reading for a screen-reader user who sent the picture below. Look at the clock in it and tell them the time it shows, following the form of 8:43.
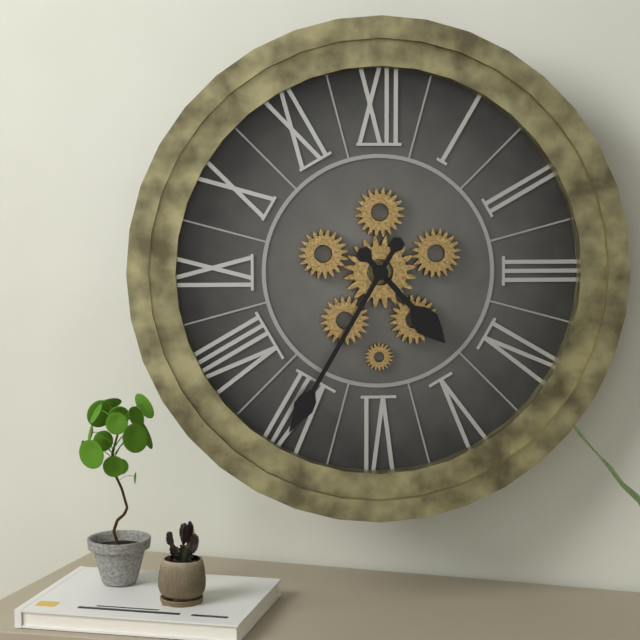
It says 4:35
